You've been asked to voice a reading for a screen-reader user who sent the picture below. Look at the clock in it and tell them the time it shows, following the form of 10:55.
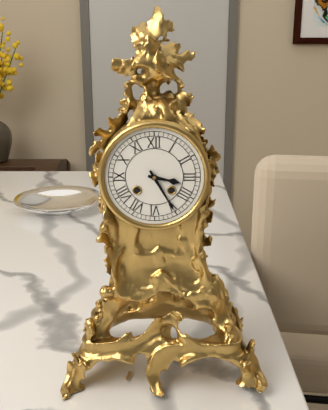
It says 3:25
